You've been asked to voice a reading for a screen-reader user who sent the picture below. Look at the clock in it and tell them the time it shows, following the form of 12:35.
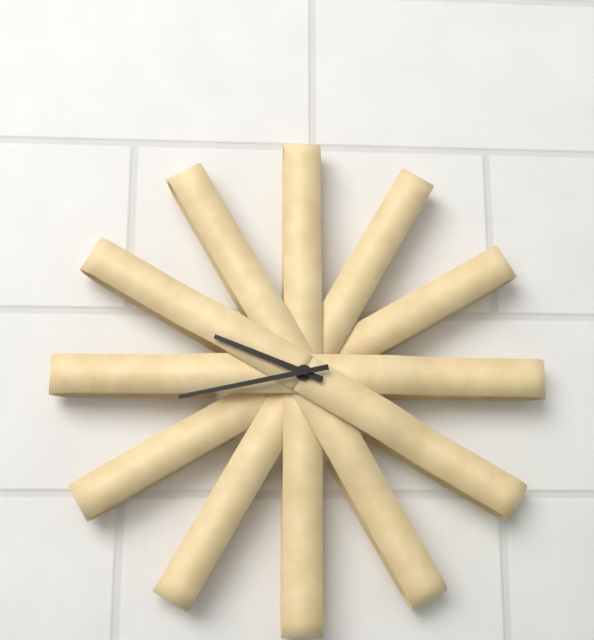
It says 9:43
